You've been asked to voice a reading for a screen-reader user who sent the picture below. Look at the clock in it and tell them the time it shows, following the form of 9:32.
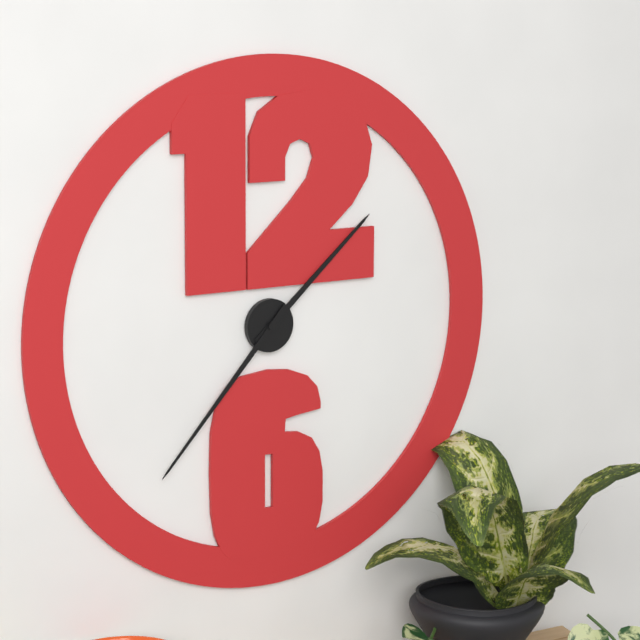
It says 1:37
